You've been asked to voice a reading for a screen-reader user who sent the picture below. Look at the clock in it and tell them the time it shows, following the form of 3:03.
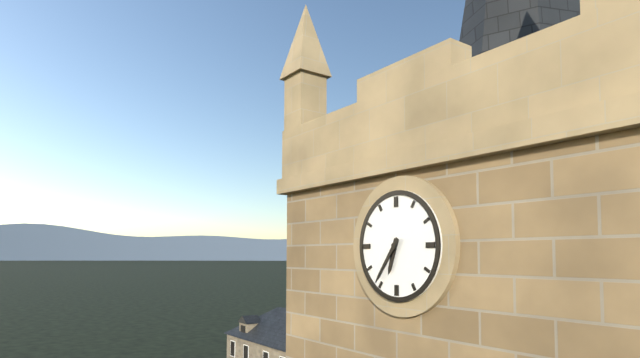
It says 6:36
